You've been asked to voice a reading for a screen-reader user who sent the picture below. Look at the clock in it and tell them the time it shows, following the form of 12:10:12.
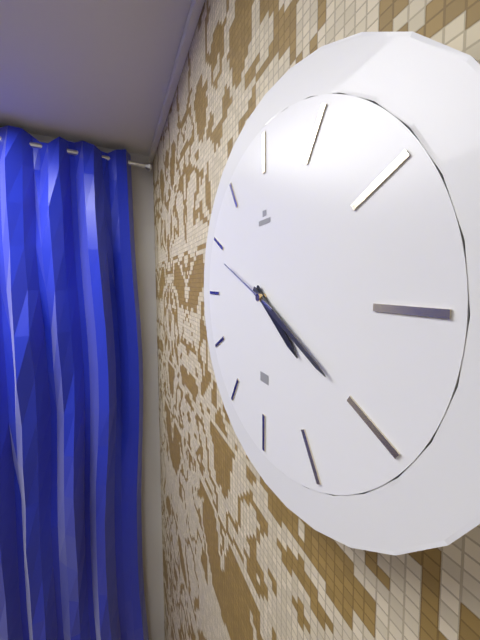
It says 4:20:49
